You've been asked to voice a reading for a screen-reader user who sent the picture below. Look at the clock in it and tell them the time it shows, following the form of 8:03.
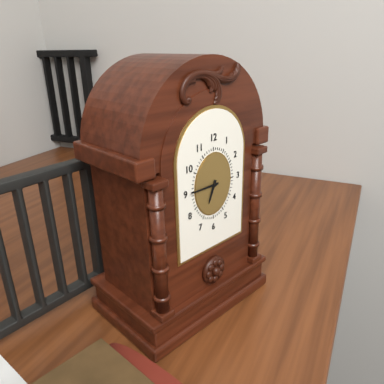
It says 6:45
